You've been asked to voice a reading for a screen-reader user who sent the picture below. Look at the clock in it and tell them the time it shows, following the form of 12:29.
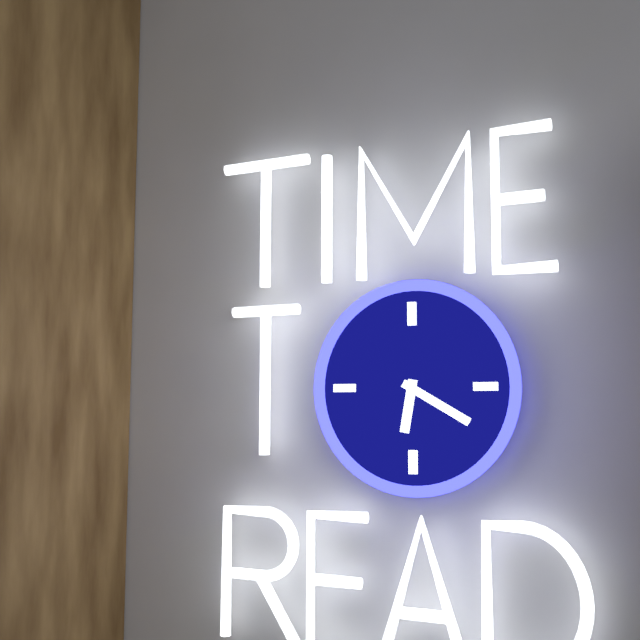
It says 6:20
